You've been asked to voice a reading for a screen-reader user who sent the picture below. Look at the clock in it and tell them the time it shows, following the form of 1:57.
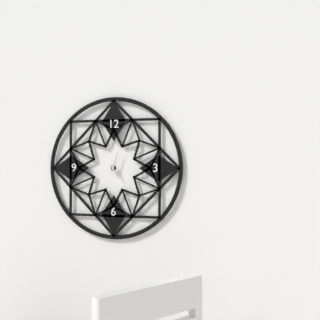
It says 5:03
